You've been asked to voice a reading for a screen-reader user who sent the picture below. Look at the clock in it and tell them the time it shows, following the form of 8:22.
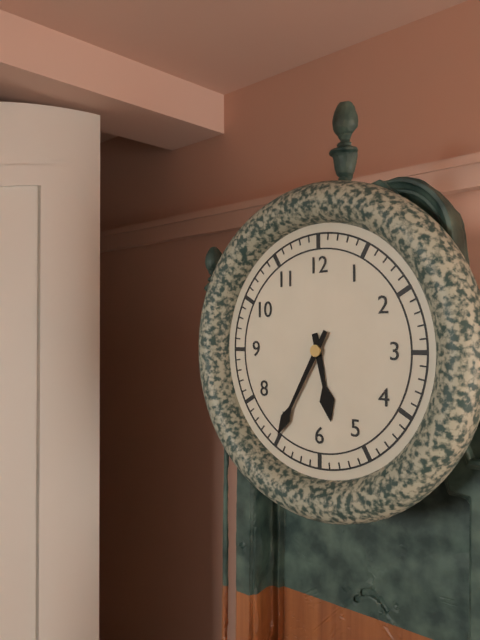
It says 5:35
